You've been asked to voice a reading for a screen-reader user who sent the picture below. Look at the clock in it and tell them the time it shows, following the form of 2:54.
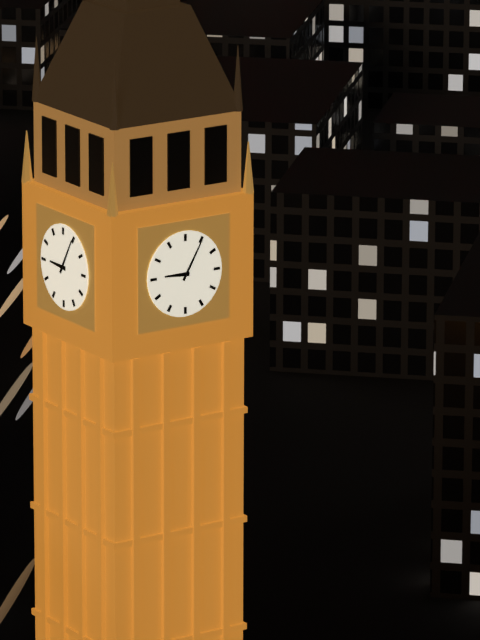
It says 9:05
